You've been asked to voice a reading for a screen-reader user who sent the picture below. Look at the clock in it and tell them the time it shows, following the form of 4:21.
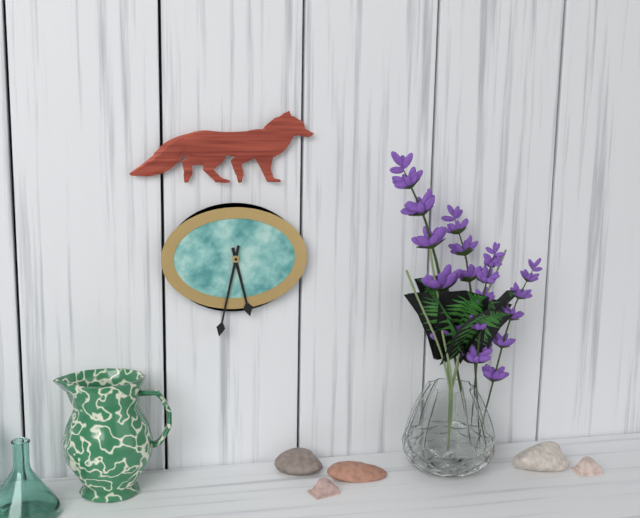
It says 5:32
